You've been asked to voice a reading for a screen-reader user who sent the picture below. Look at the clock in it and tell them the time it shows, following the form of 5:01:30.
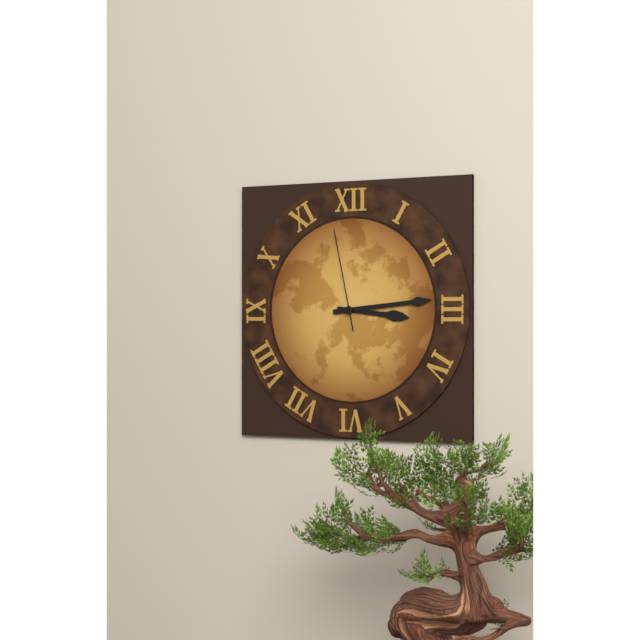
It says 3:14:58
